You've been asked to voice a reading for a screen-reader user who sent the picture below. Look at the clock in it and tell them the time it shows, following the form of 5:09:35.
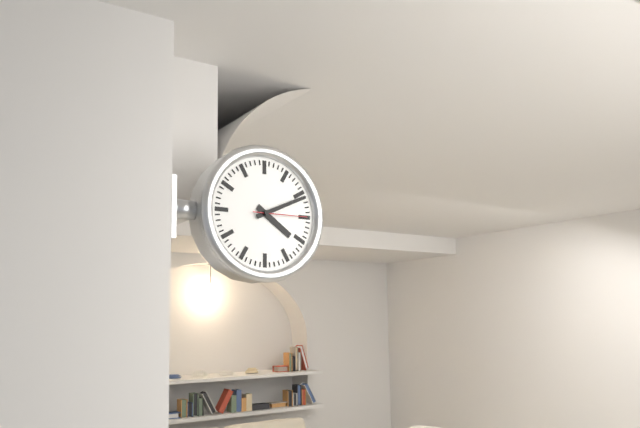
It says 4:11:15
